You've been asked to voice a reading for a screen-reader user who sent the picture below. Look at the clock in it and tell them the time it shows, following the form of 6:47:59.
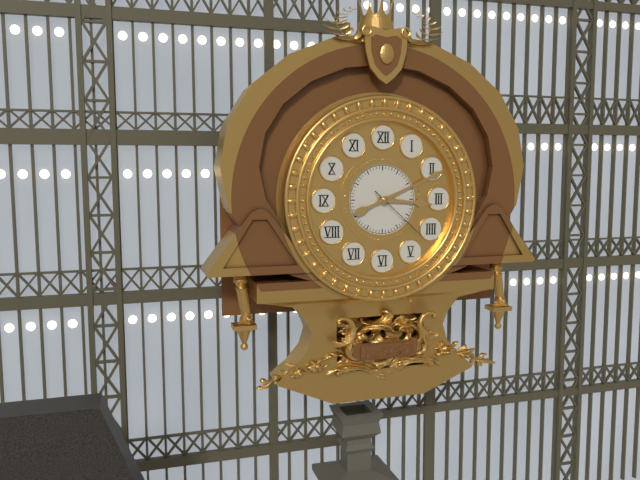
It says 3:11:22
